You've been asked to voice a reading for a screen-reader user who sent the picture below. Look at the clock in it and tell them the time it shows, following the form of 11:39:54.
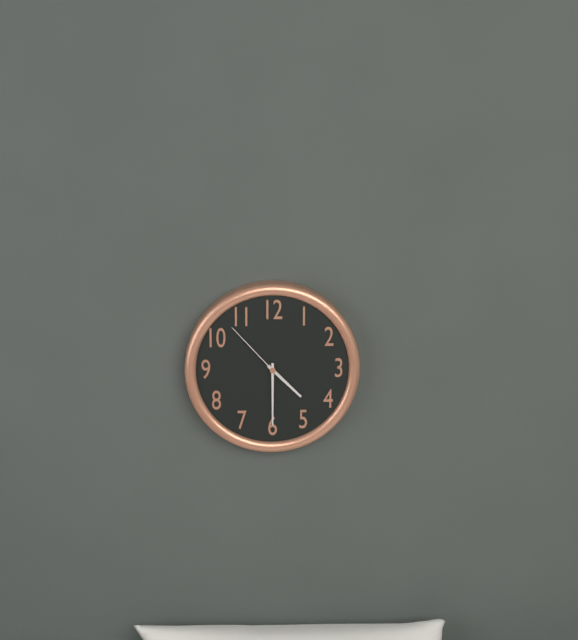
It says 4:30:53
